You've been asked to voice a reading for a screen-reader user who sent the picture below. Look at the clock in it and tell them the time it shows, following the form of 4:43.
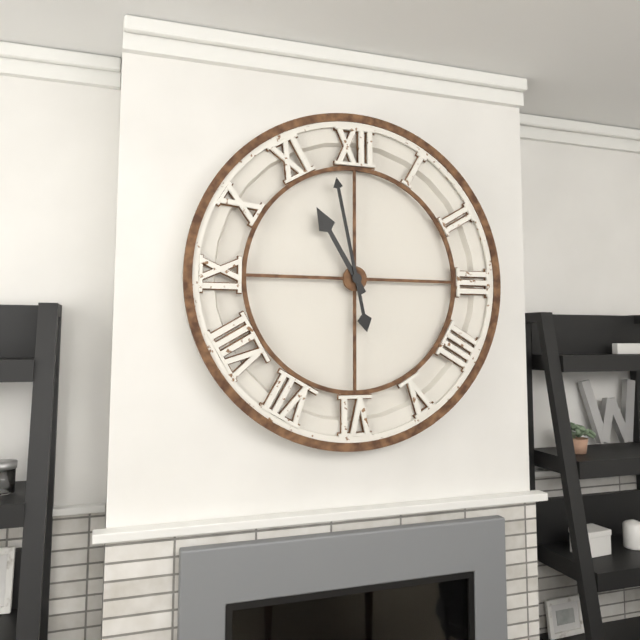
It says 10:58
